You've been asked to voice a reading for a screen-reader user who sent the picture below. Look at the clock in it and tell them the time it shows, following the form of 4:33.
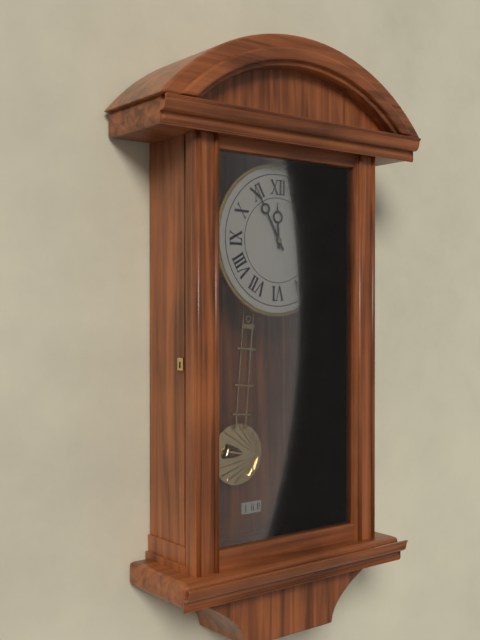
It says 11:55
